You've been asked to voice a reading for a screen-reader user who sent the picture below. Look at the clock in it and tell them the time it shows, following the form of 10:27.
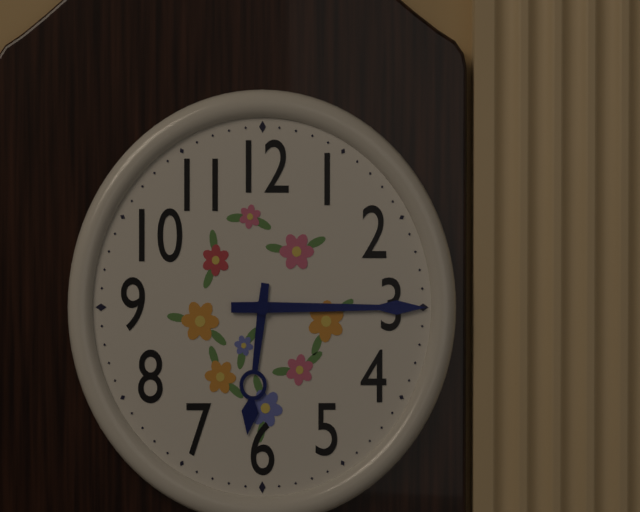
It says 6:15
